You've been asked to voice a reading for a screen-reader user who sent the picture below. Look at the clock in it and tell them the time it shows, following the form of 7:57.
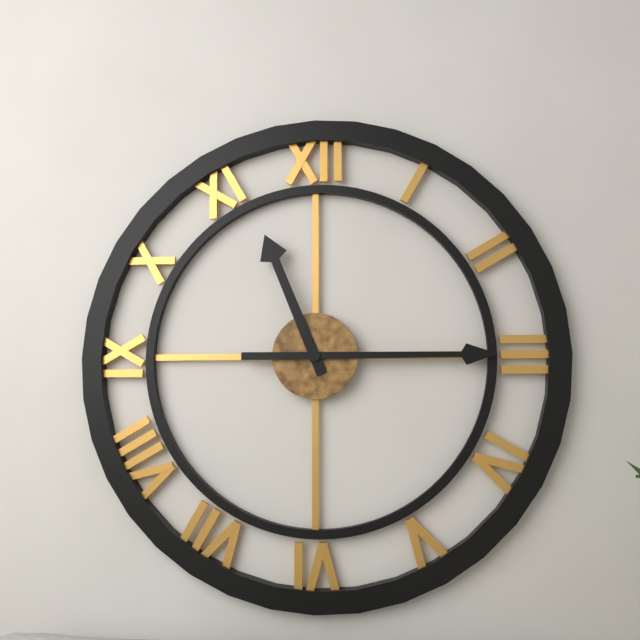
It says 11:15
